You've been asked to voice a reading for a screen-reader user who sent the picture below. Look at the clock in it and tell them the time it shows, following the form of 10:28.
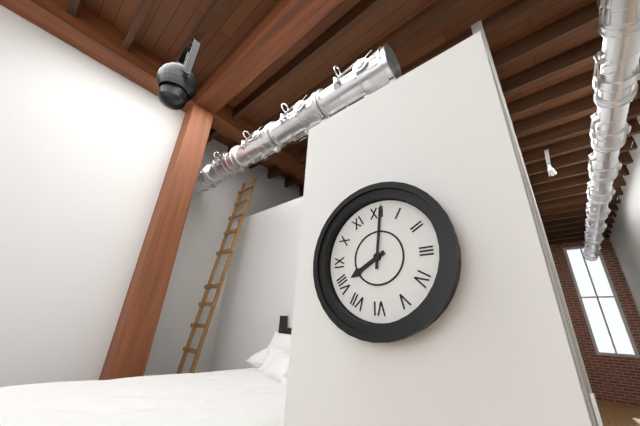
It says 8:01
